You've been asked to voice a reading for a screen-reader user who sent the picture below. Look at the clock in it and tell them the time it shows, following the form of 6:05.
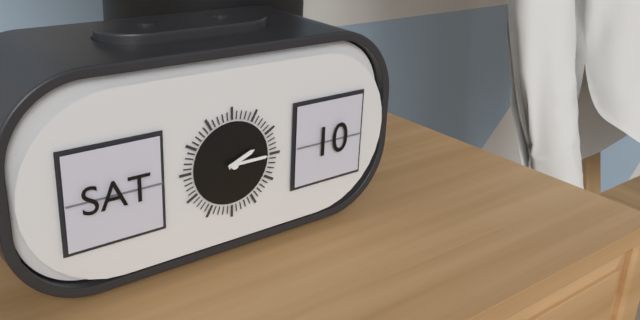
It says 2:15
